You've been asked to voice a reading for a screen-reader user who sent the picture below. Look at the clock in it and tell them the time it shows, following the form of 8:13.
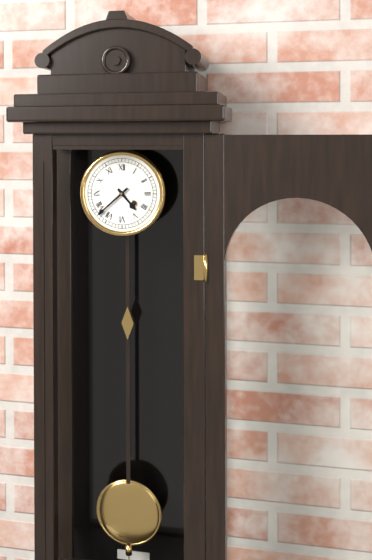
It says 4:38
